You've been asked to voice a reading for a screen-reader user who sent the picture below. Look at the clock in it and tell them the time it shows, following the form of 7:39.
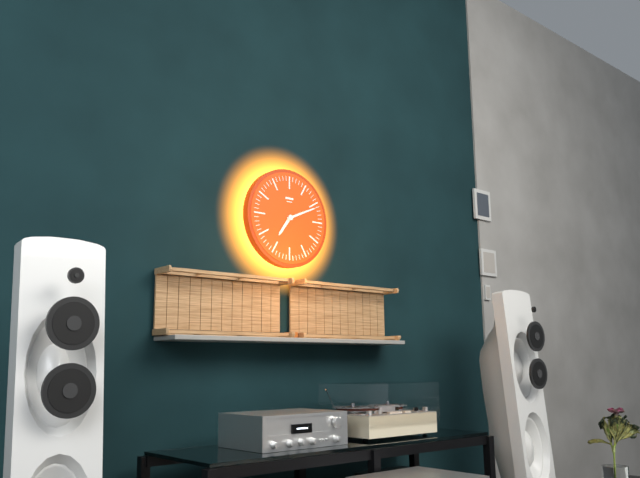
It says 7:11
